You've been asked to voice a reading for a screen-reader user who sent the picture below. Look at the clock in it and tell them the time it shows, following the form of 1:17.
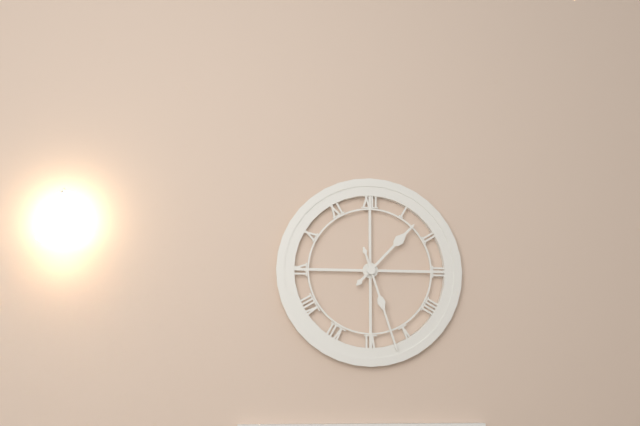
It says 1:27
